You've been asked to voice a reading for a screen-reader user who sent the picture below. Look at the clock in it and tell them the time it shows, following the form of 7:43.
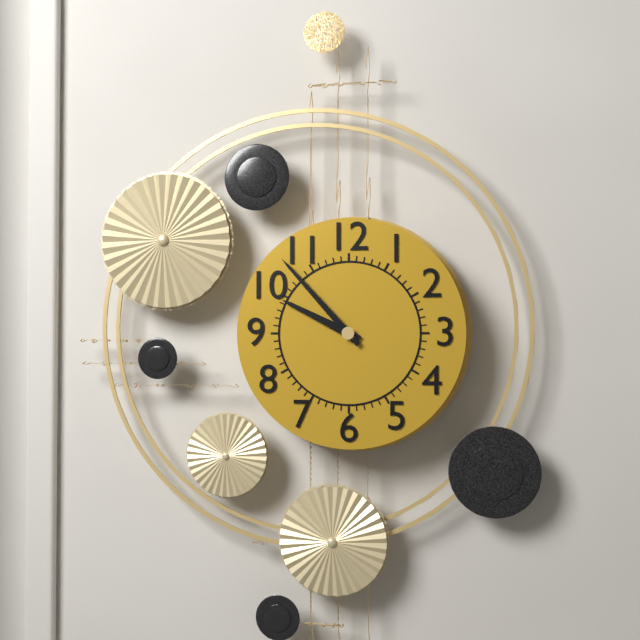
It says 9:53
